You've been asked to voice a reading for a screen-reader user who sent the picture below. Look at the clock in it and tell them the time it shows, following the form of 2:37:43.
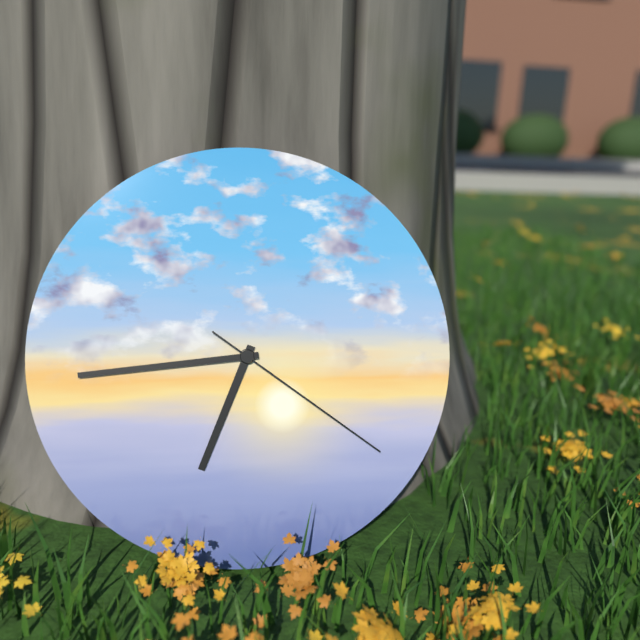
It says 6:44:21
